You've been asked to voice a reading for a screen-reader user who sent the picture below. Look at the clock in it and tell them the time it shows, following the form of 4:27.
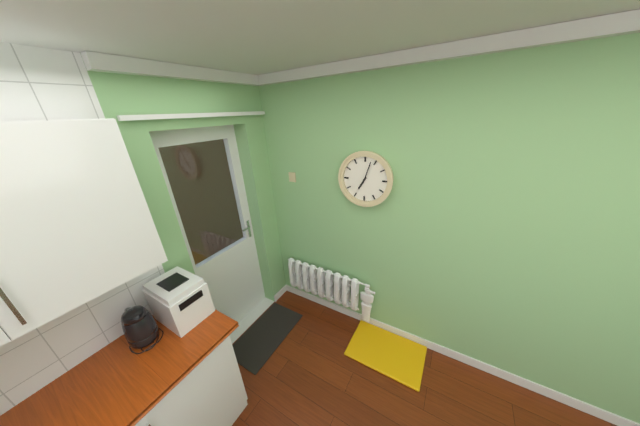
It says 7:03
